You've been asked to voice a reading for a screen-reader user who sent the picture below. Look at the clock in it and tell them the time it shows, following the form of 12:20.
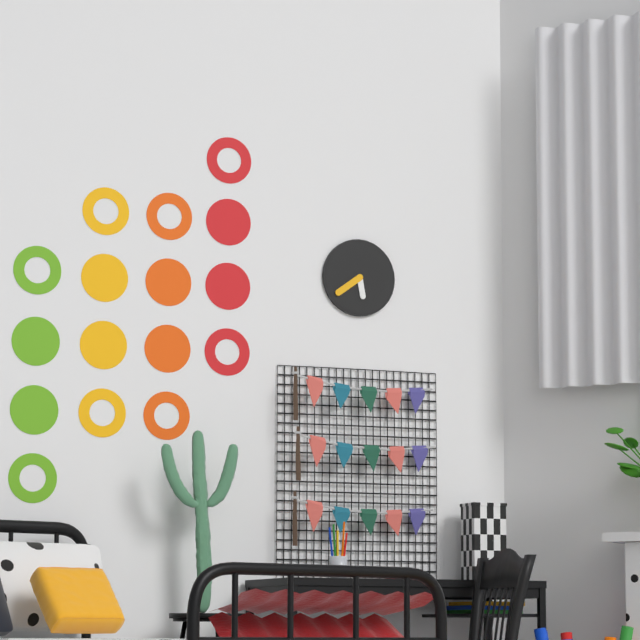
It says 5:39
